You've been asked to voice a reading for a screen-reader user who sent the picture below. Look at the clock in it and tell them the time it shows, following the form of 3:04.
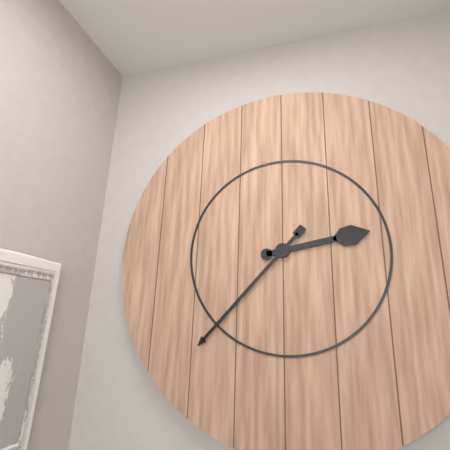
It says 2:37
